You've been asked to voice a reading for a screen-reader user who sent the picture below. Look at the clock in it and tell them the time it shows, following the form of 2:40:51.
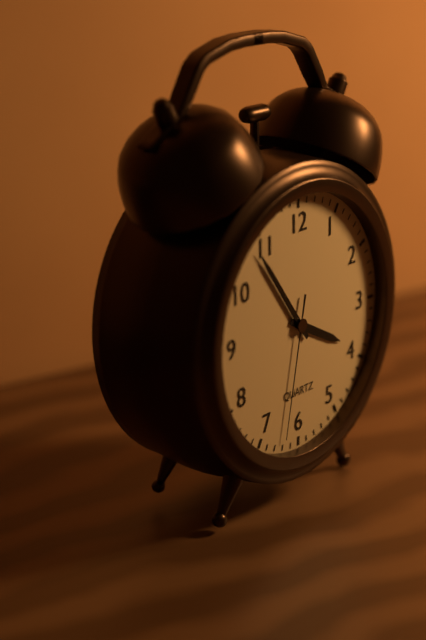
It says 3:54:32
